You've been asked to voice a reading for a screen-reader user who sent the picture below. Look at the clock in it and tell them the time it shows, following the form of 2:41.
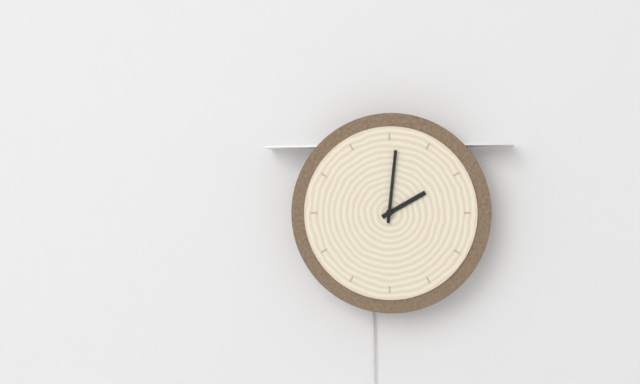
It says 2:01
